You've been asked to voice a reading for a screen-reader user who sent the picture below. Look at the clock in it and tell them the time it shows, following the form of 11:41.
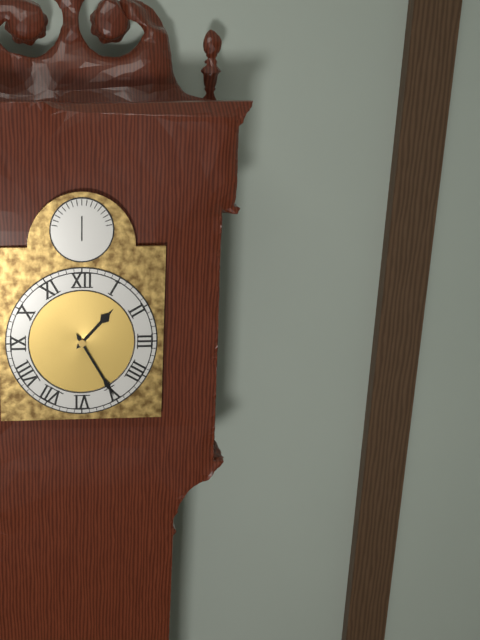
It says 1:25
